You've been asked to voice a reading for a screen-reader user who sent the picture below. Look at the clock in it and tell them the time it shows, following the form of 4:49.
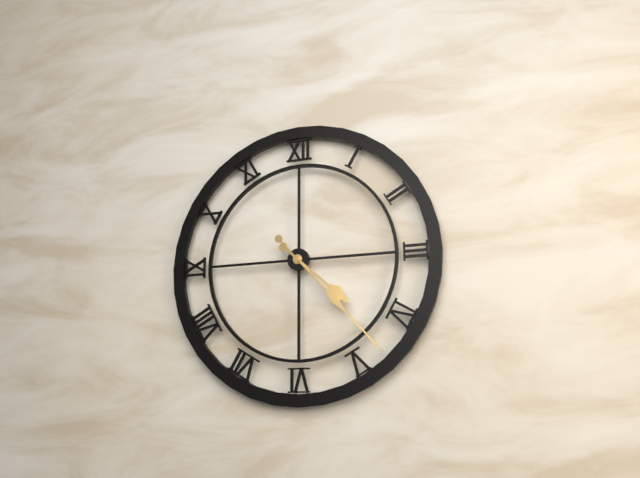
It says 4:23
